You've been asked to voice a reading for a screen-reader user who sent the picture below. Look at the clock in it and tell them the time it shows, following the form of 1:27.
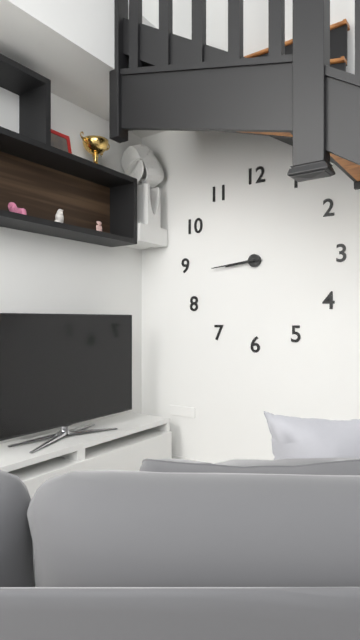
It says 8:44
